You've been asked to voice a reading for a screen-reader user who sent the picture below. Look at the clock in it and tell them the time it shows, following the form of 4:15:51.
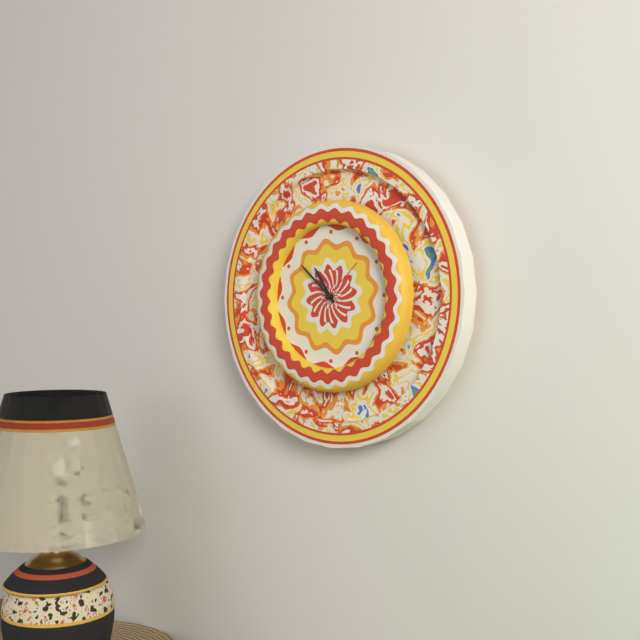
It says 10:52:08
